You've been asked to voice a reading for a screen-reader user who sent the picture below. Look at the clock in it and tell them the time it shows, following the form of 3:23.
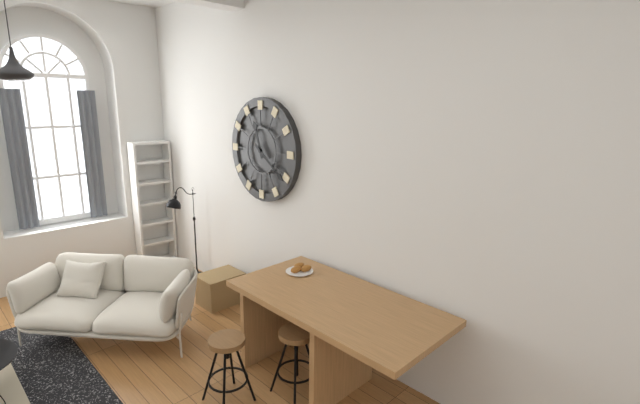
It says 11:21
